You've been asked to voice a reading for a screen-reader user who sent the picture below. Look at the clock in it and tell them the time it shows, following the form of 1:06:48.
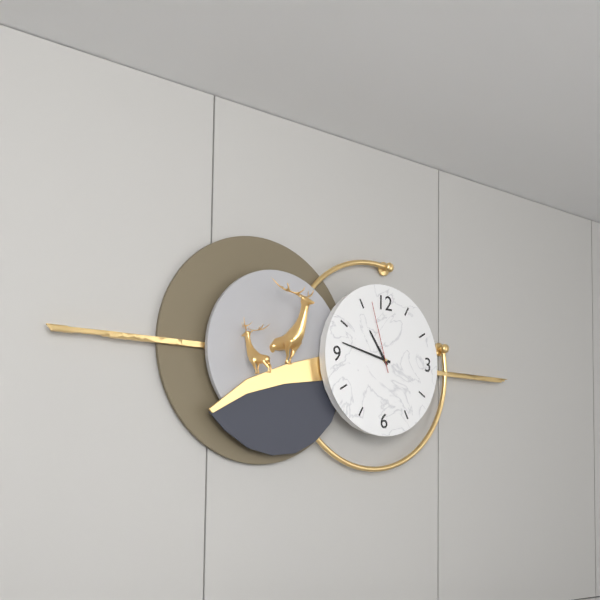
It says 10:47:57
